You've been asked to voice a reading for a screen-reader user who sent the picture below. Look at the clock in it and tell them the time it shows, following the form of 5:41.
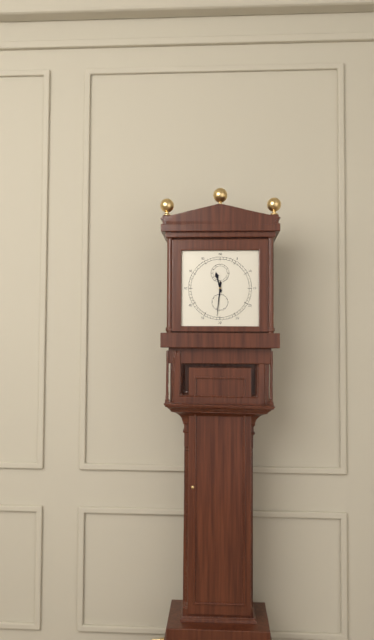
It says 11:31
